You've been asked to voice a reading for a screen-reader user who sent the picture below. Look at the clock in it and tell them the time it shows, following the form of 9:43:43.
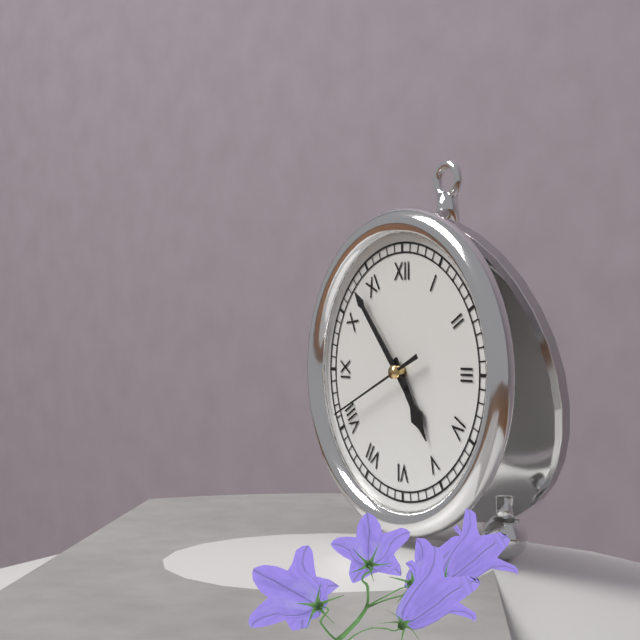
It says 4:53:41
